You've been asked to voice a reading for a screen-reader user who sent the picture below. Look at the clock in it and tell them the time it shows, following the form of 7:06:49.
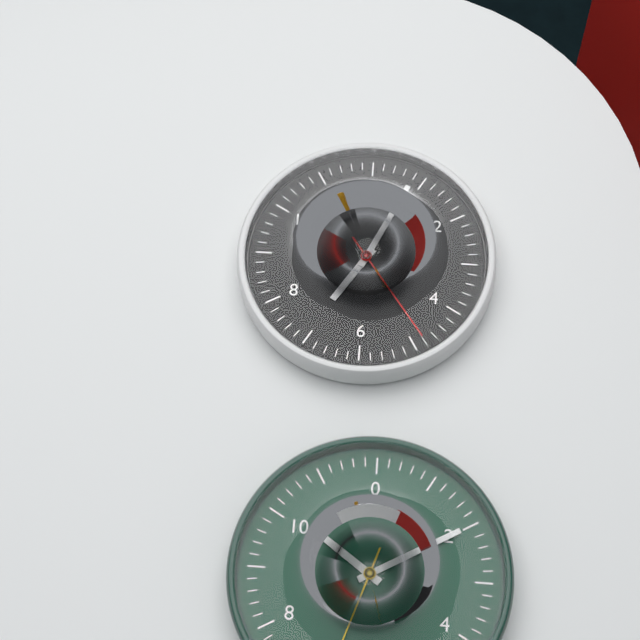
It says 7:04:24
